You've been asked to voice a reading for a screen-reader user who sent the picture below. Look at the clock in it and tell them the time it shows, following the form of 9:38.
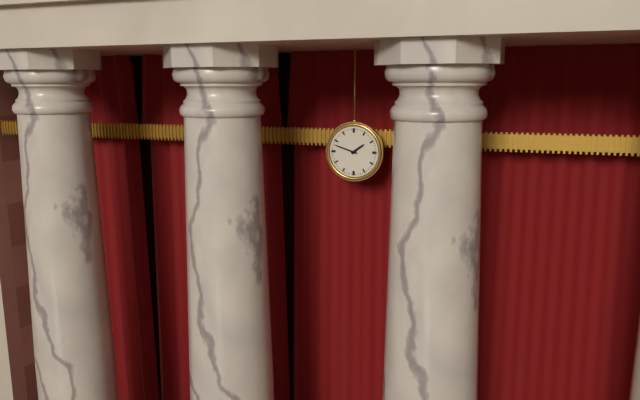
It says 1:48
